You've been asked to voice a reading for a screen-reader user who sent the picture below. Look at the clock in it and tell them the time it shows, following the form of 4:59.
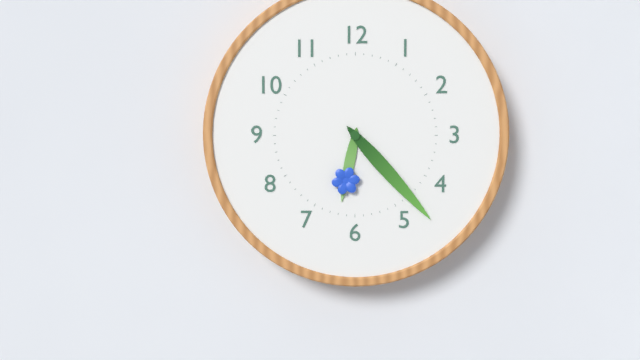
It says 6:23
